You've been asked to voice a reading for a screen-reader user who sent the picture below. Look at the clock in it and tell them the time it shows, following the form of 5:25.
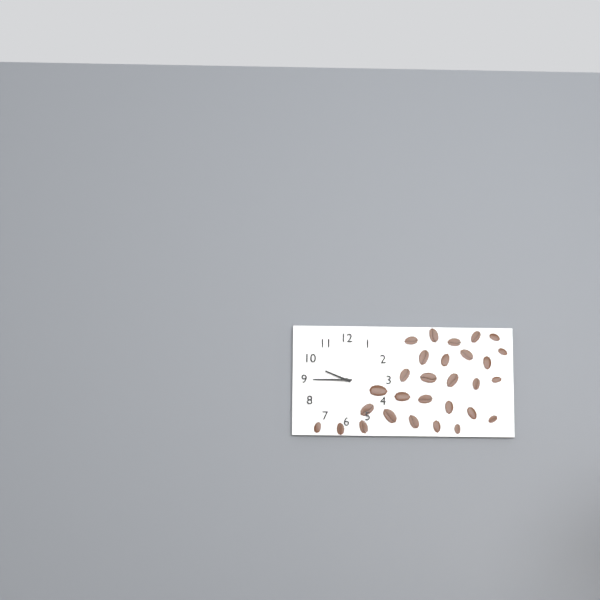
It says 9:45
